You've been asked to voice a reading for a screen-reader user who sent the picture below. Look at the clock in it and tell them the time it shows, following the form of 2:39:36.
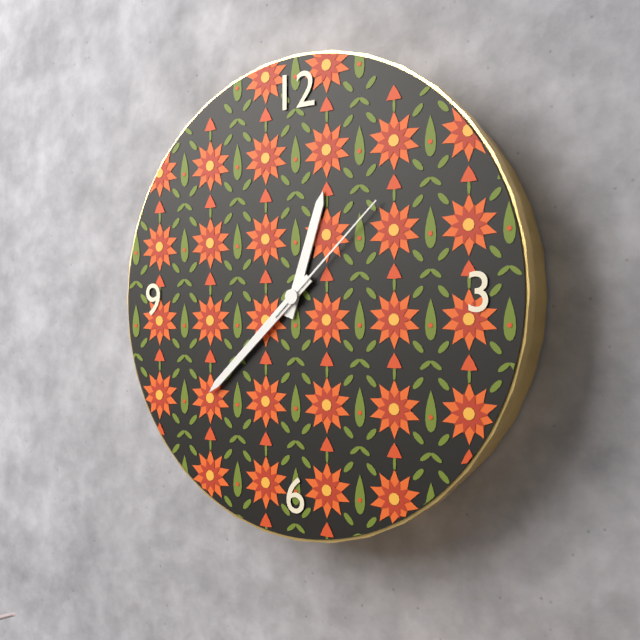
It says 12:38:08
